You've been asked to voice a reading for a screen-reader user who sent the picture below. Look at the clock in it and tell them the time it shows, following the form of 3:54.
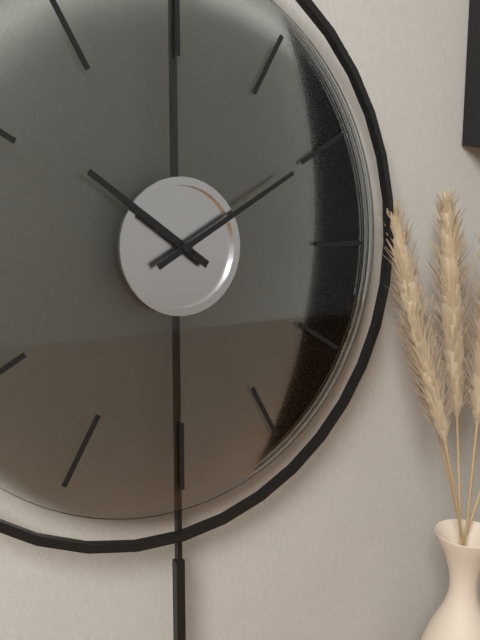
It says 10:10
